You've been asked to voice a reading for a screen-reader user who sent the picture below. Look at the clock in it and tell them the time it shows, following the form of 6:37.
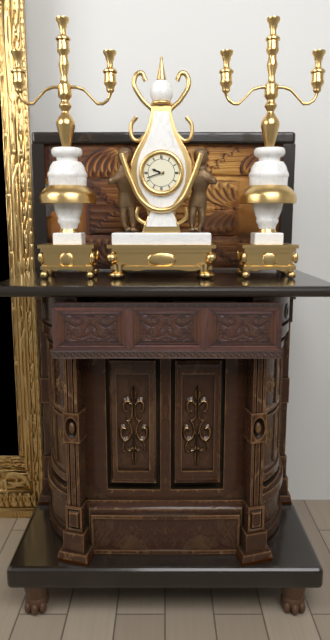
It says 9:42
